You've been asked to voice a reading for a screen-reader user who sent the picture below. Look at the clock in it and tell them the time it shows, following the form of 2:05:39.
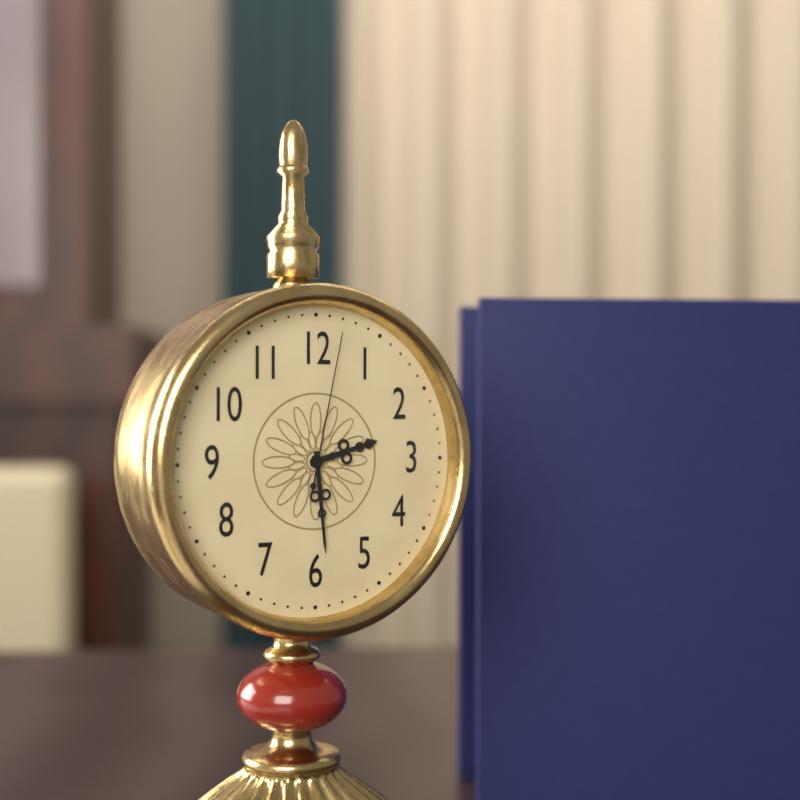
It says 2:29:02
